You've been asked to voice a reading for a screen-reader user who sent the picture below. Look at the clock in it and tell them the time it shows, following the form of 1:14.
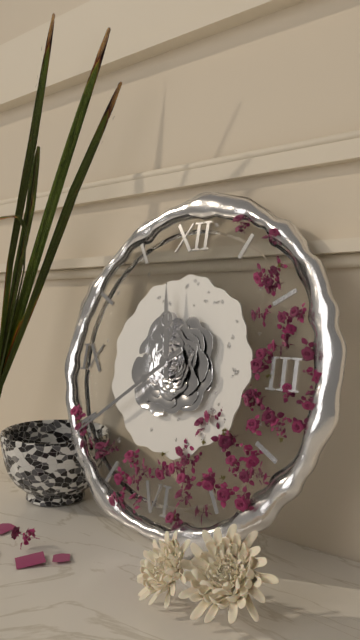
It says 11:39
